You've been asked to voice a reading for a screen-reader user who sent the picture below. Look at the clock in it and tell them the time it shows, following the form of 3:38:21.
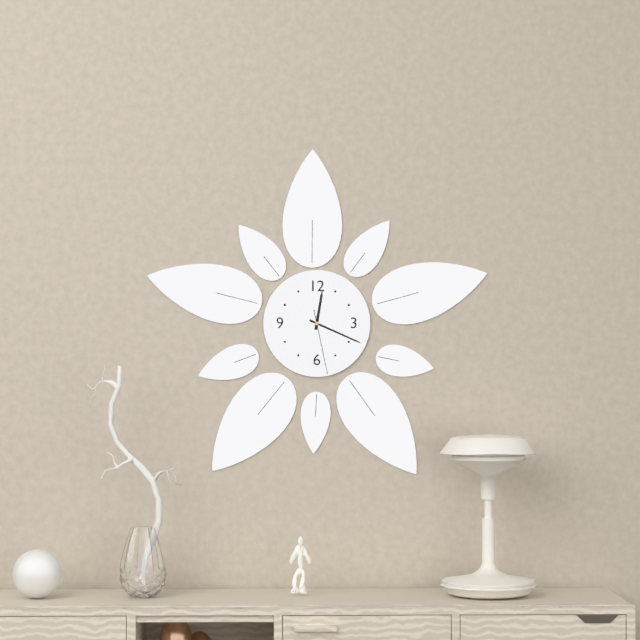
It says 12:19:28
